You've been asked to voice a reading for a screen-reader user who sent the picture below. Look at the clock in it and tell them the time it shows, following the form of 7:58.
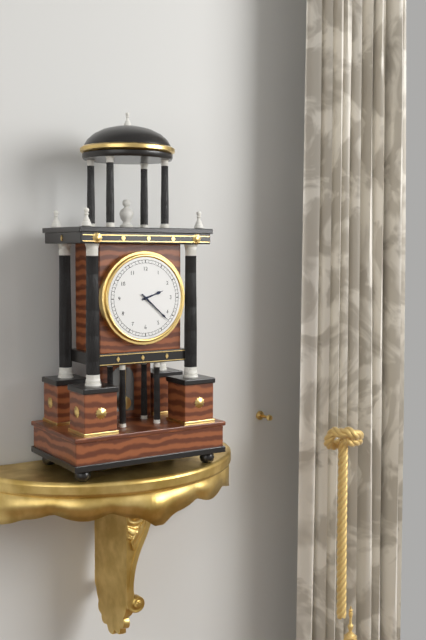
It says 2:22
